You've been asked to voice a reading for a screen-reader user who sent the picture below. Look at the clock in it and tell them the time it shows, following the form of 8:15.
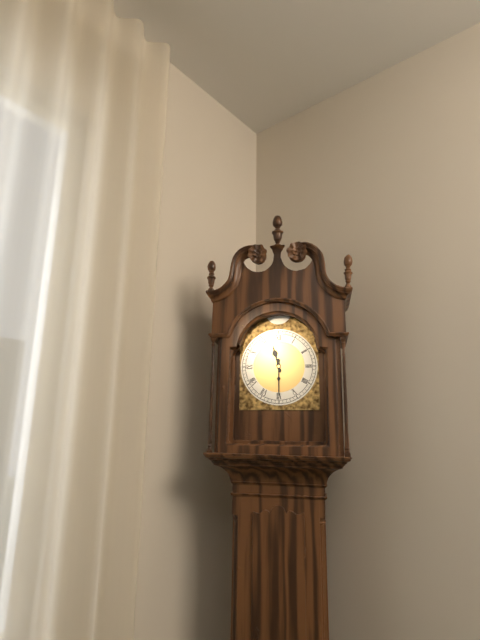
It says 11:30
